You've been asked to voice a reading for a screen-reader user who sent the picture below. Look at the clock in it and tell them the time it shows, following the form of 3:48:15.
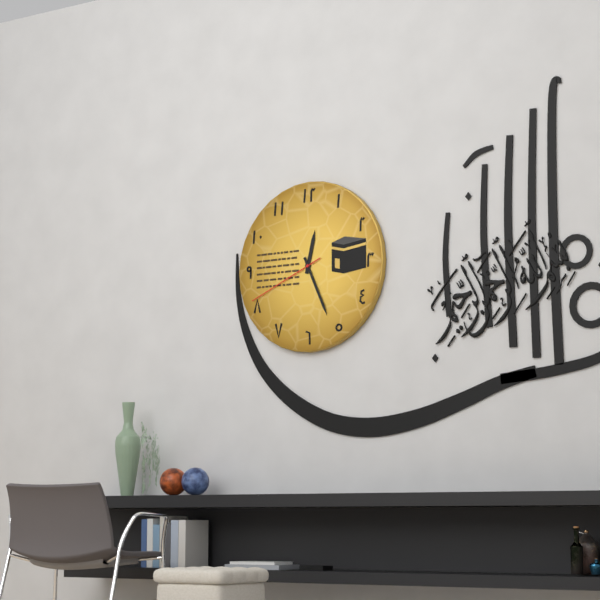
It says 12:26:41
